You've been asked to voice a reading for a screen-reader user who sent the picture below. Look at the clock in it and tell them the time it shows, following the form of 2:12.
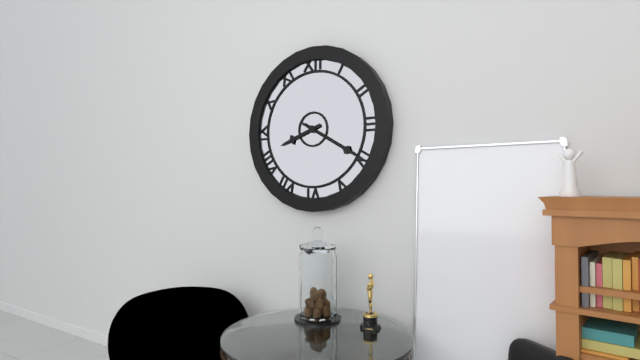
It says 8:20
